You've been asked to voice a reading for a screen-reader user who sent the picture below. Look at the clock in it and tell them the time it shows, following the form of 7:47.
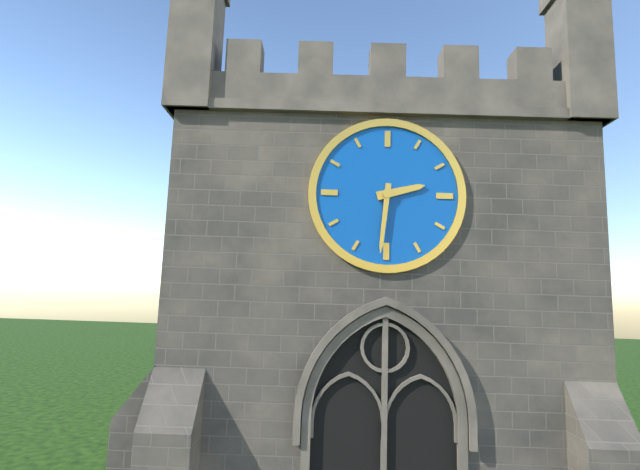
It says 2:31
